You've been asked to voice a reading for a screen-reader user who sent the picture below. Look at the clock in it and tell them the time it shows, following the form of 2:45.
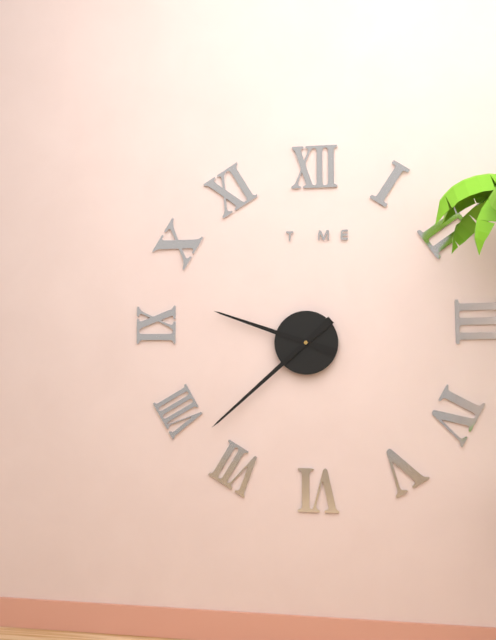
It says 9:38
